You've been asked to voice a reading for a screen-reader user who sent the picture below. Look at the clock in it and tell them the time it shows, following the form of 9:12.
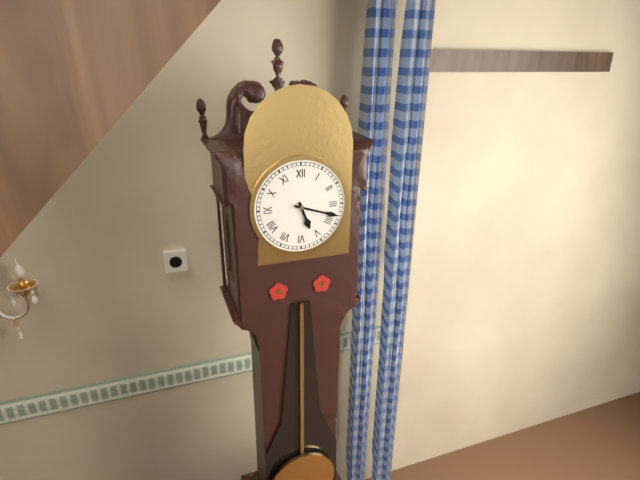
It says 5:18
